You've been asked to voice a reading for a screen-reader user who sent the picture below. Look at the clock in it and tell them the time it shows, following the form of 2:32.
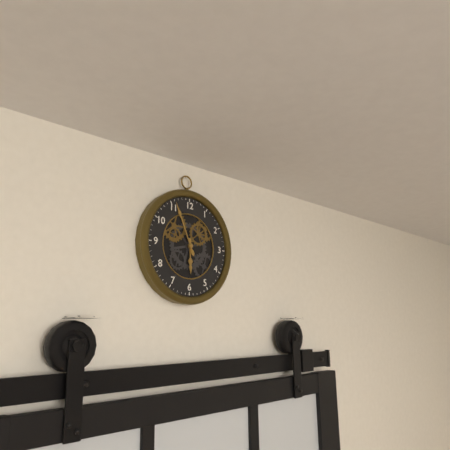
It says 5:56
